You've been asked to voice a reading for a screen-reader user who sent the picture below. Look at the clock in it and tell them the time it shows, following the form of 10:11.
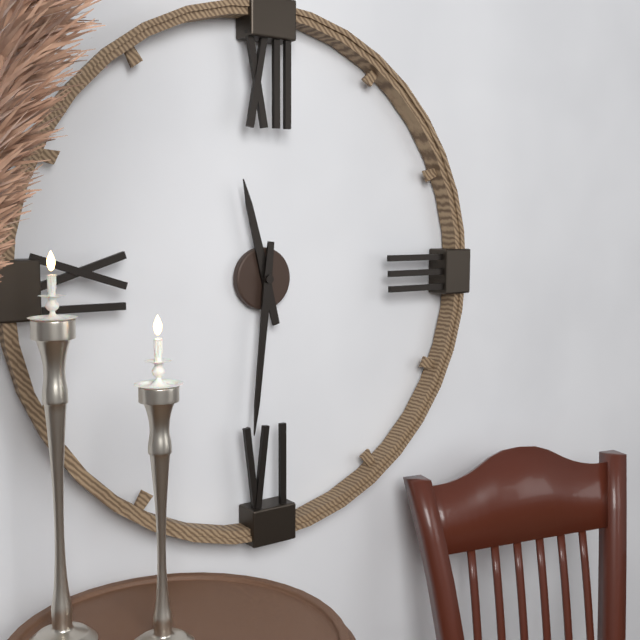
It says 11:31
